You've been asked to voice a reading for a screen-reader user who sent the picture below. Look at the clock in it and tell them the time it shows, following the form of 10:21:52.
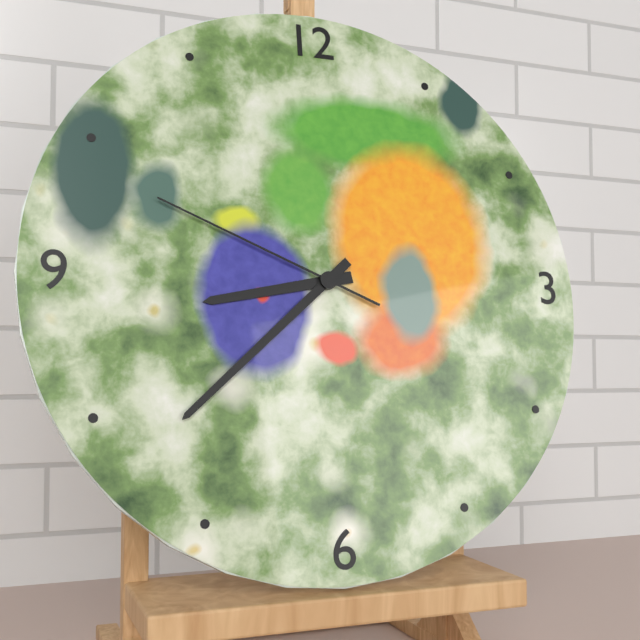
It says 8:38:49
